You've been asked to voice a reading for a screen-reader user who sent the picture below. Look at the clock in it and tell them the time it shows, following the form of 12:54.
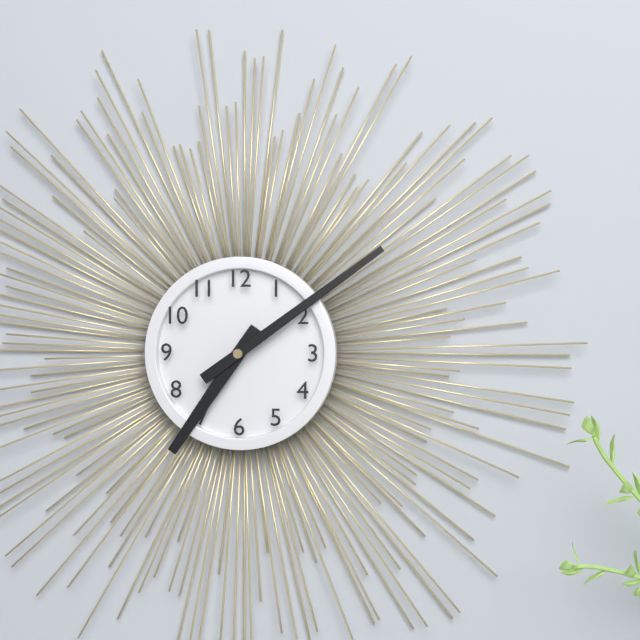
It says 7:09
